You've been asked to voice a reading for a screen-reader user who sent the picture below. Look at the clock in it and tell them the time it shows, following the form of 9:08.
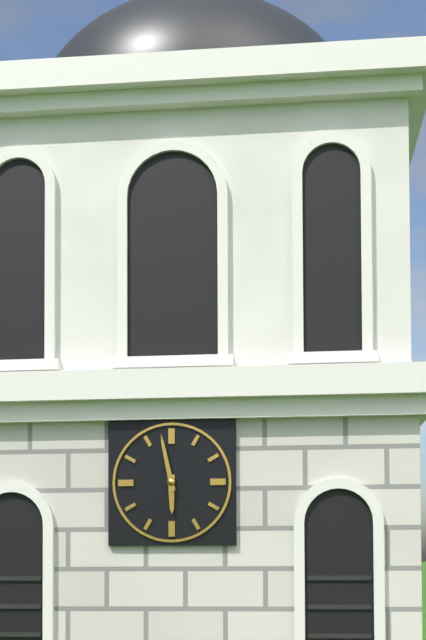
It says 5:58
